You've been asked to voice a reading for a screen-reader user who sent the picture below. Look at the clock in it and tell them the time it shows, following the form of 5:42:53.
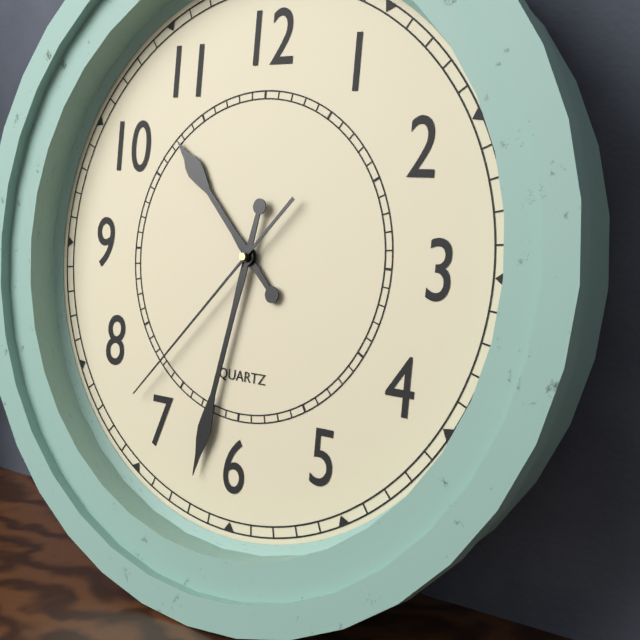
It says 10:32:37
